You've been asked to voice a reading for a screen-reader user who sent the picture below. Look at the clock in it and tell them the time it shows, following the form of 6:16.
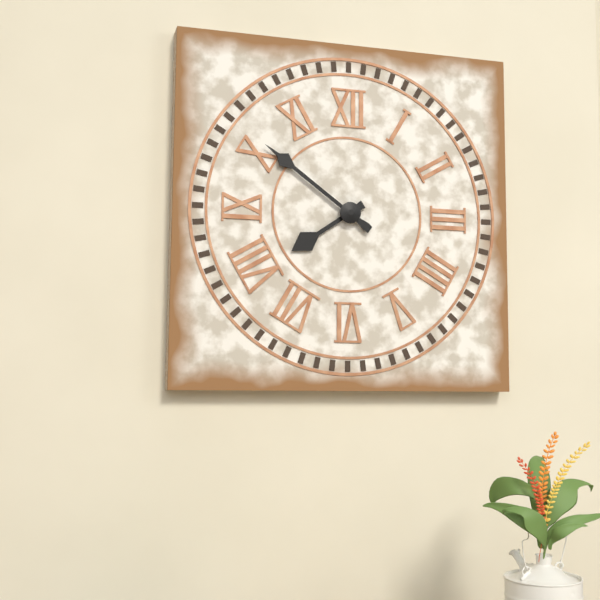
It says 7:51
